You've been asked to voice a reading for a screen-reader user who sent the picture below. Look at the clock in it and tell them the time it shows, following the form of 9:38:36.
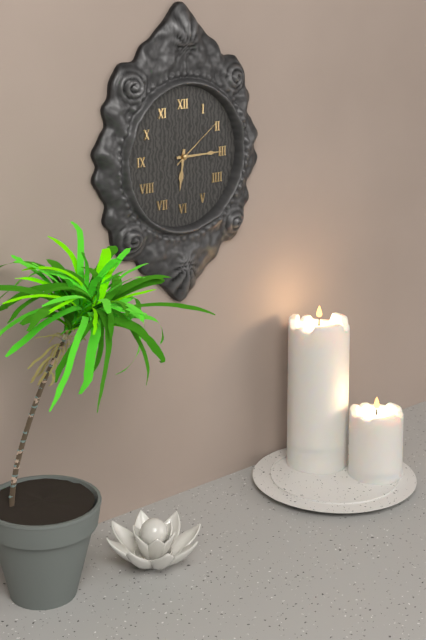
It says 6:15:09
